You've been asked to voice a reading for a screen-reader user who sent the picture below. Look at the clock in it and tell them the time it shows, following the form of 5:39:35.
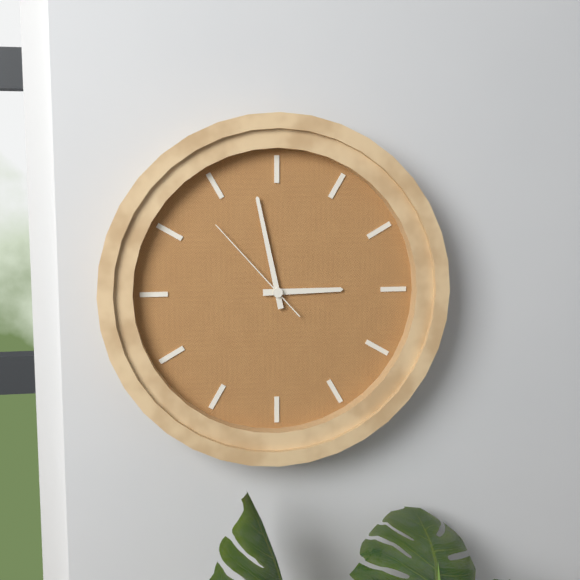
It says 2:58:53
